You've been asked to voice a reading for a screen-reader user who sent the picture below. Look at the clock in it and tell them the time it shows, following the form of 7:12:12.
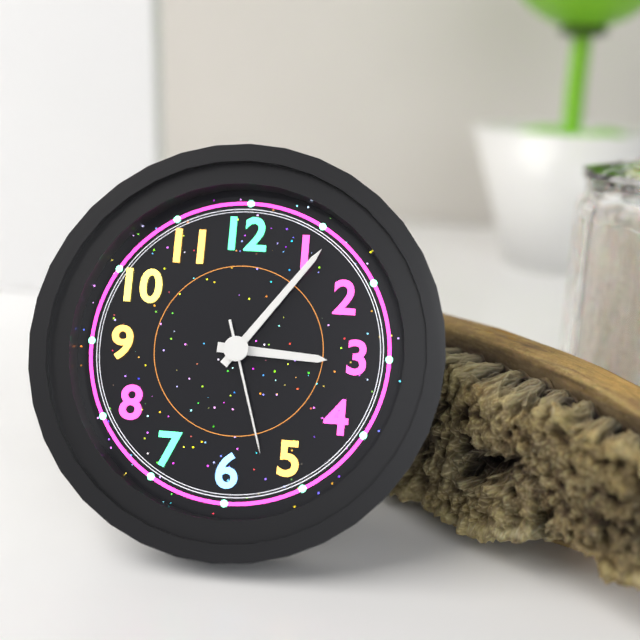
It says 3:06:27
